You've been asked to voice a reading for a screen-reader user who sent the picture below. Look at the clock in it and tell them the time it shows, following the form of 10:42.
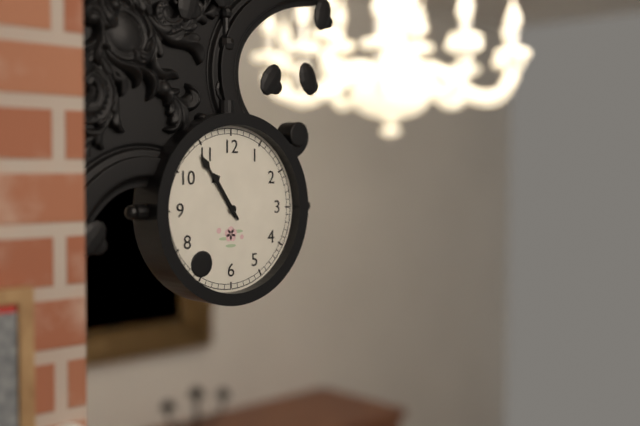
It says 10:54
